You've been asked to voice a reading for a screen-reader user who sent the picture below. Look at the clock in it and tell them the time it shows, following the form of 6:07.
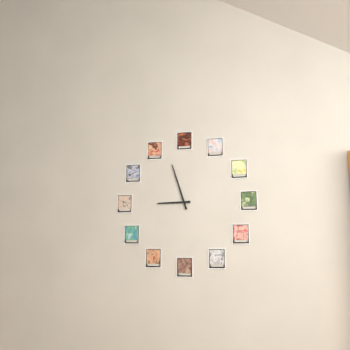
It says 8:57
